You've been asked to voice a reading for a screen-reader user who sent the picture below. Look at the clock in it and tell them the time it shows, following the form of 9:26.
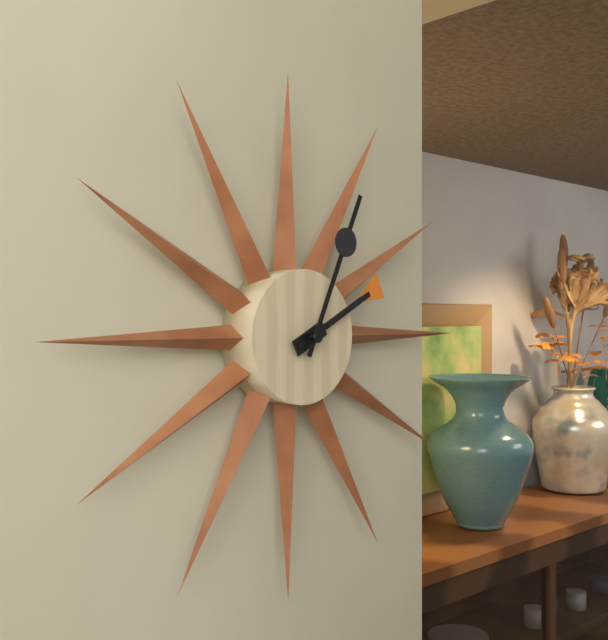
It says 2:04
